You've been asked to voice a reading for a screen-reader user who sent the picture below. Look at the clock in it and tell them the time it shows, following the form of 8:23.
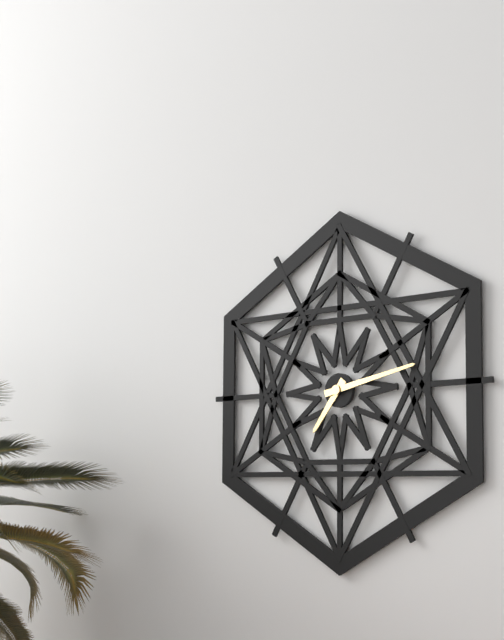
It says 7:13
